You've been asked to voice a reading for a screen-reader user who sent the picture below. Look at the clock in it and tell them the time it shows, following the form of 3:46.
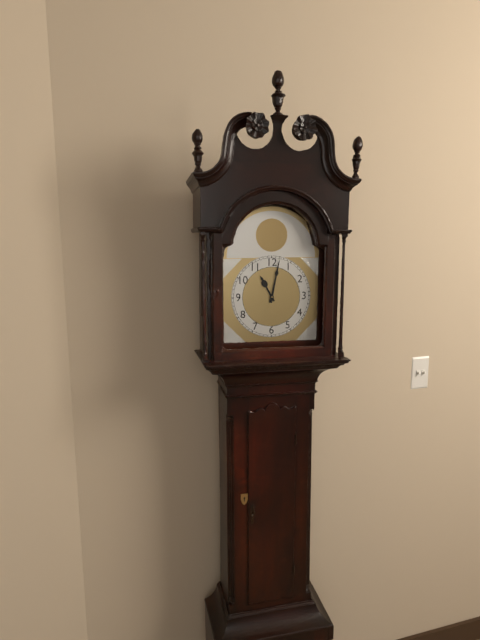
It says 11:02
